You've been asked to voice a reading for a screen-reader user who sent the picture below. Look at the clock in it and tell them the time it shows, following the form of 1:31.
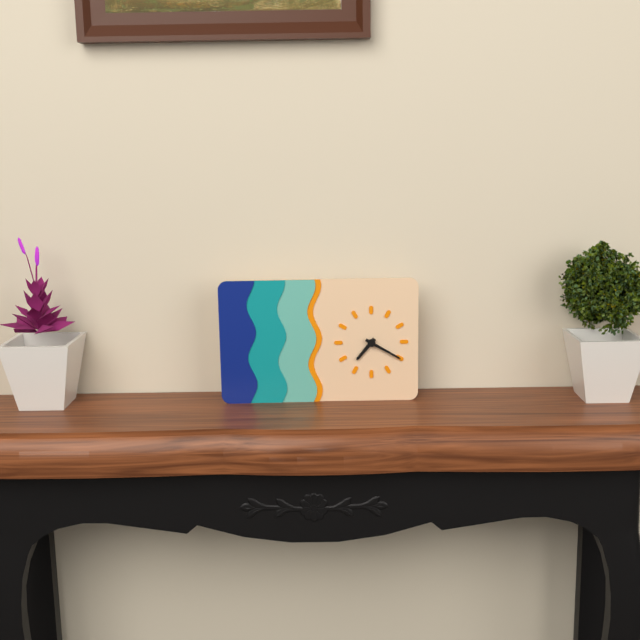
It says 7:20
